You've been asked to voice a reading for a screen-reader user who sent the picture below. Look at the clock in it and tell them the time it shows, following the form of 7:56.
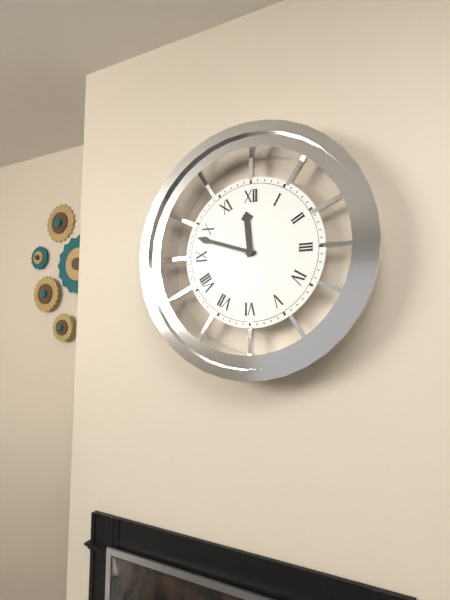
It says 11:48
